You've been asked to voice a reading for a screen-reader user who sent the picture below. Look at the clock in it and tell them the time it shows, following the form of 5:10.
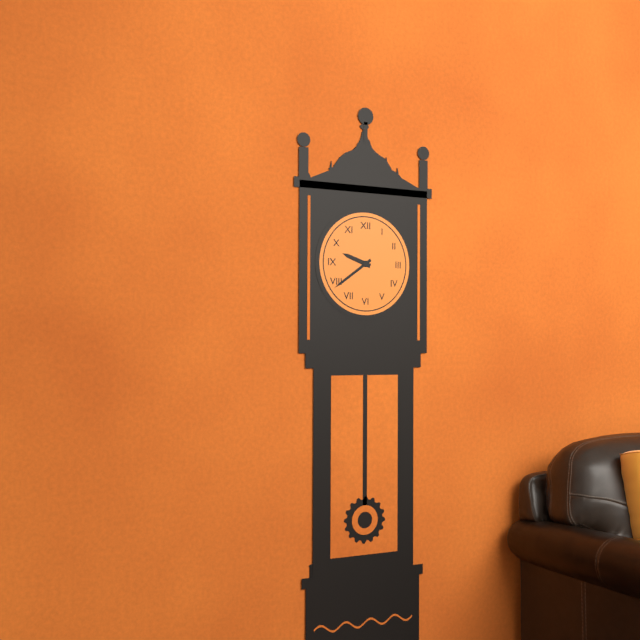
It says 9:39
